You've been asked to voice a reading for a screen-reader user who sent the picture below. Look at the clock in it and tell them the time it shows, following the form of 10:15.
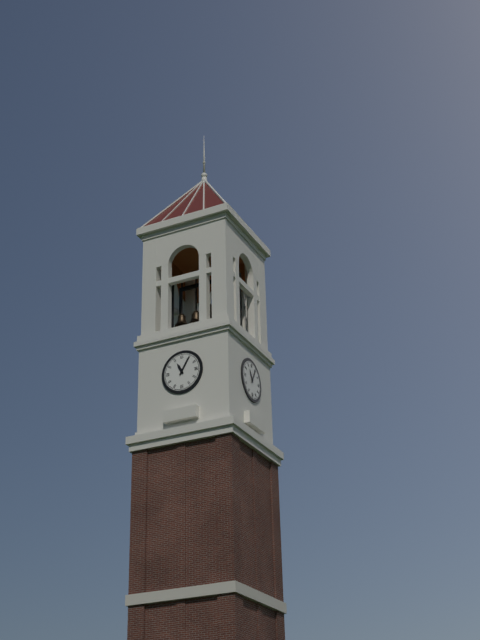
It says 11:05
